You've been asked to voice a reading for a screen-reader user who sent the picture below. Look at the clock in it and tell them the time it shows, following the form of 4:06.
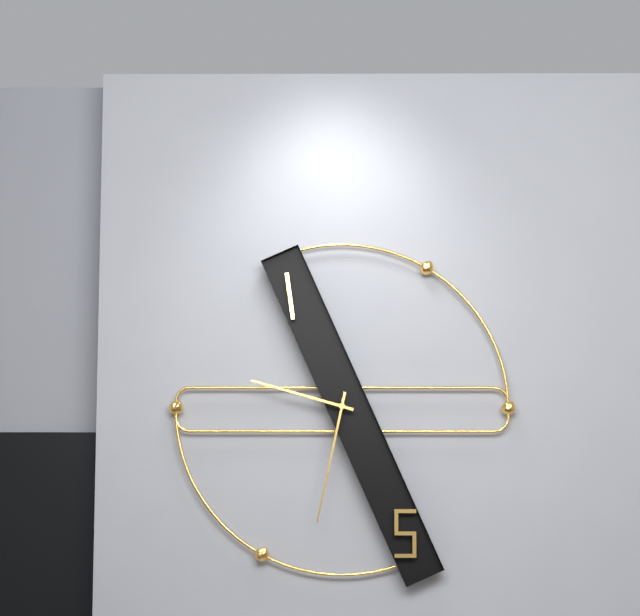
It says 9:32
